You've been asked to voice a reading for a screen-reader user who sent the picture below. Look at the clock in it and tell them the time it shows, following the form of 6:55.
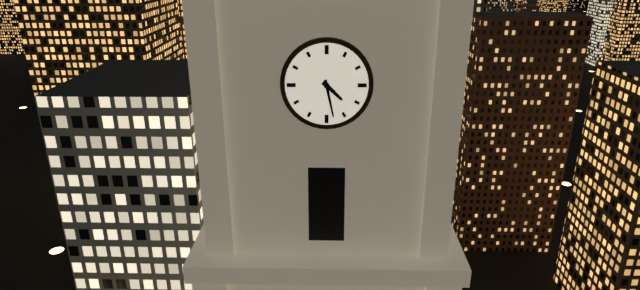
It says 4:28
